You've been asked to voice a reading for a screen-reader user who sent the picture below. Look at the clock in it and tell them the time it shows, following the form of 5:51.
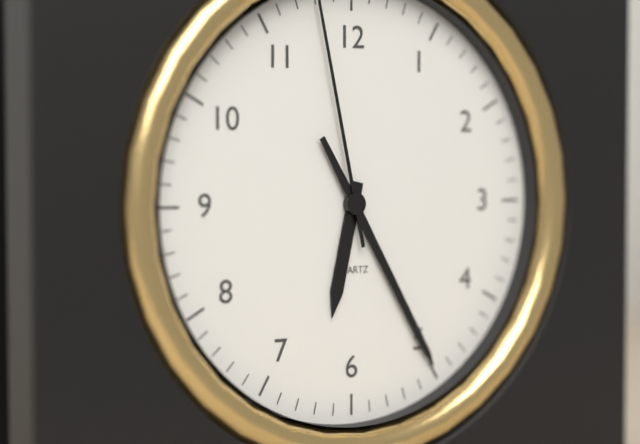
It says 6:25
